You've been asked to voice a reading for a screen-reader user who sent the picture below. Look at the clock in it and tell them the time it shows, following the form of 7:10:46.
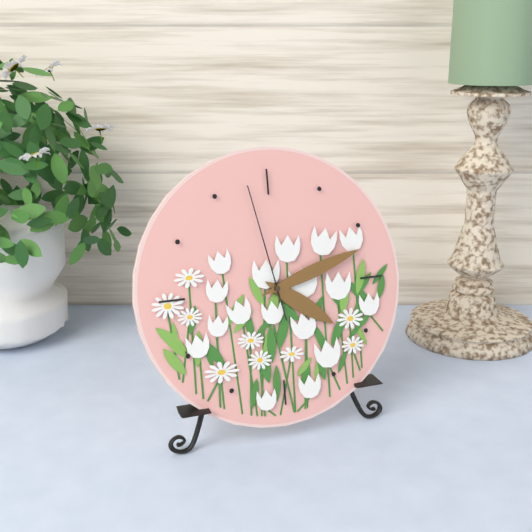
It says 4:12:58
